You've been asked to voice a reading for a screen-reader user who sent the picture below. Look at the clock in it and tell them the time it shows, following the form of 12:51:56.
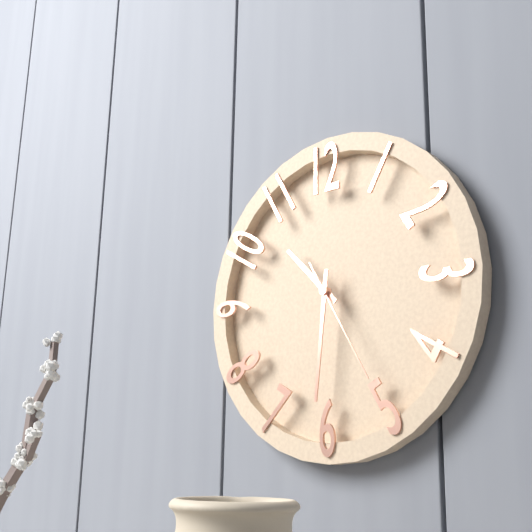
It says 10:31:25
